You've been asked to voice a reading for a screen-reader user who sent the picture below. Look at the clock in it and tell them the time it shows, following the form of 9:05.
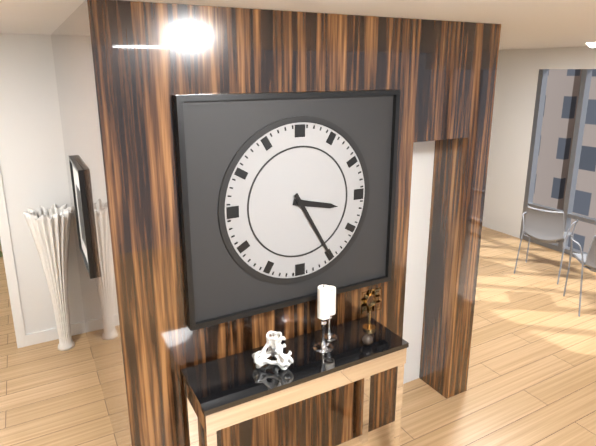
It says 3:25
